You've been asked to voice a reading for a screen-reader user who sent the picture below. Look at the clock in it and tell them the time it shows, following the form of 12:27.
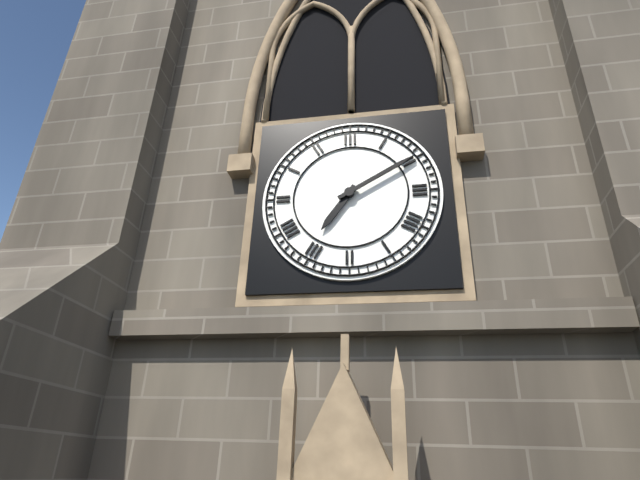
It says 7:10
